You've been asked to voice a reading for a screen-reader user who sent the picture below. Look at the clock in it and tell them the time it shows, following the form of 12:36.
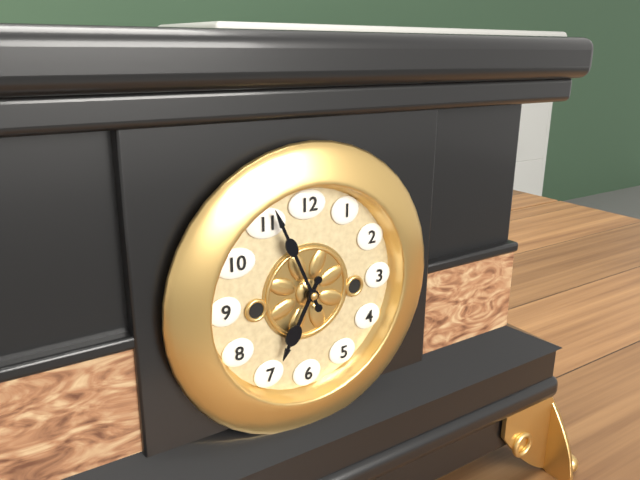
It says 6:56
